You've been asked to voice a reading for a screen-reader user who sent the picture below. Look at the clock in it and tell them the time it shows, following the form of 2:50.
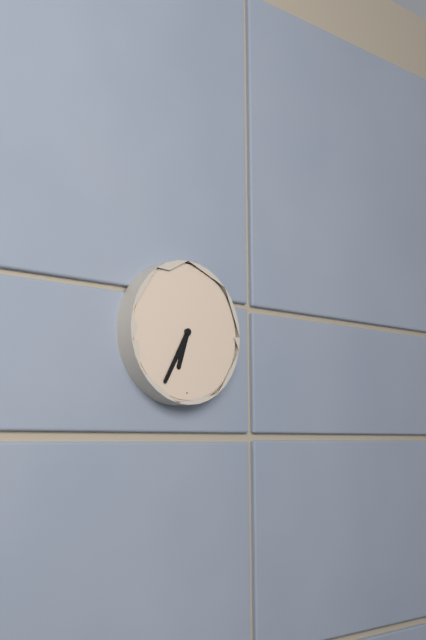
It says 6:35
